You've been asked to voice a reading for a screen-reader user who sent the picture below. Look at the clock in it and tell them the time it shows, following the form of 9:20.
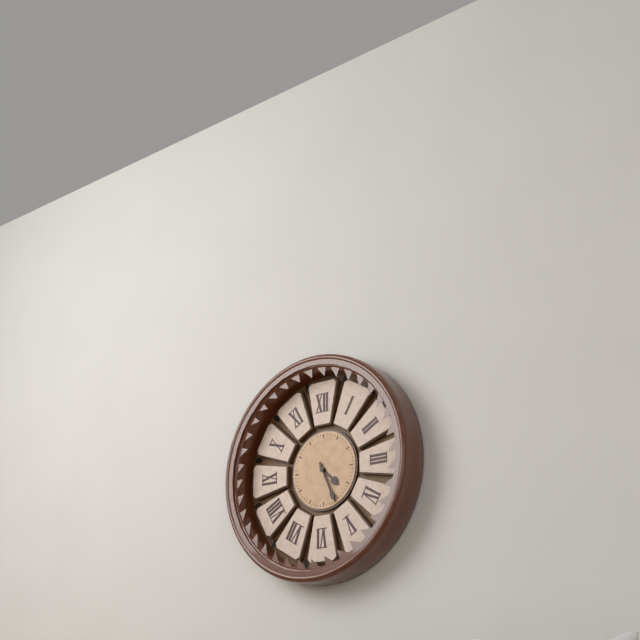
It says 4:26
